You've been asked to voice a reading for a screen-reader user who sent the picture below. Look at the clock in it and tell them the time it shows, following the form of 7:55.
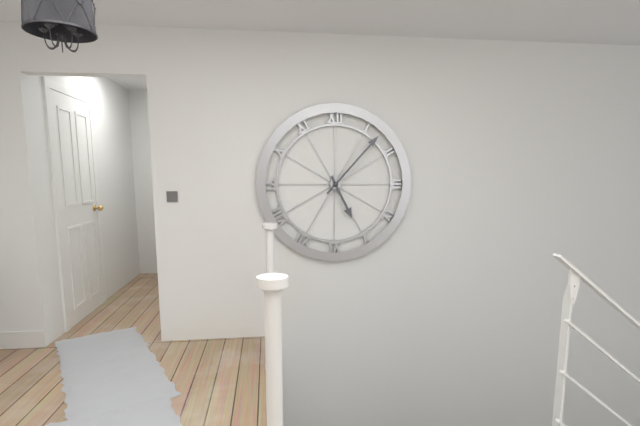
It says 5:07
